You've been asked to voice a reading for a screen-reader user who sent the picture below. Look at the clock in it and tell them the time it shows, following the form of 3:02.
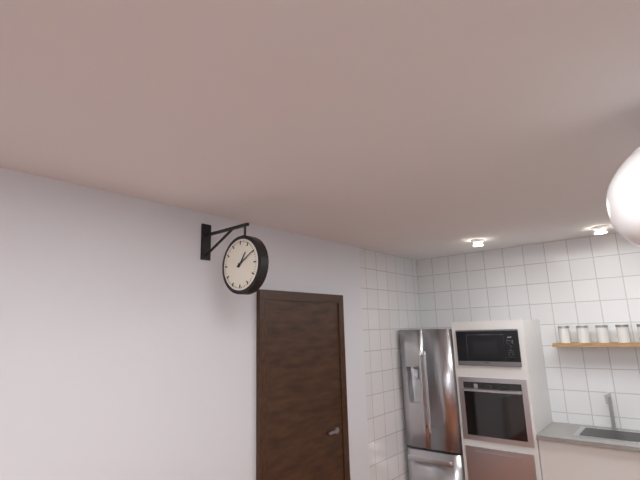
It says 1:10
